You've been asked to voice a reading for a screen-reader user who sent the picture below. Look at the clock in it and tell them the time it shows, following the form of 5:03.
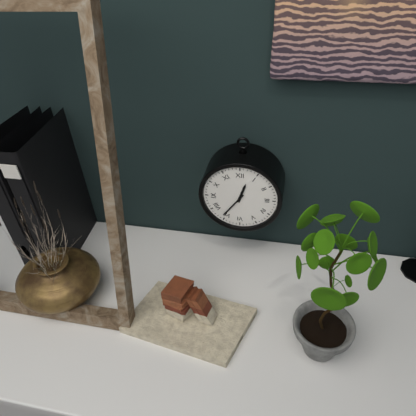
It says 12:36
